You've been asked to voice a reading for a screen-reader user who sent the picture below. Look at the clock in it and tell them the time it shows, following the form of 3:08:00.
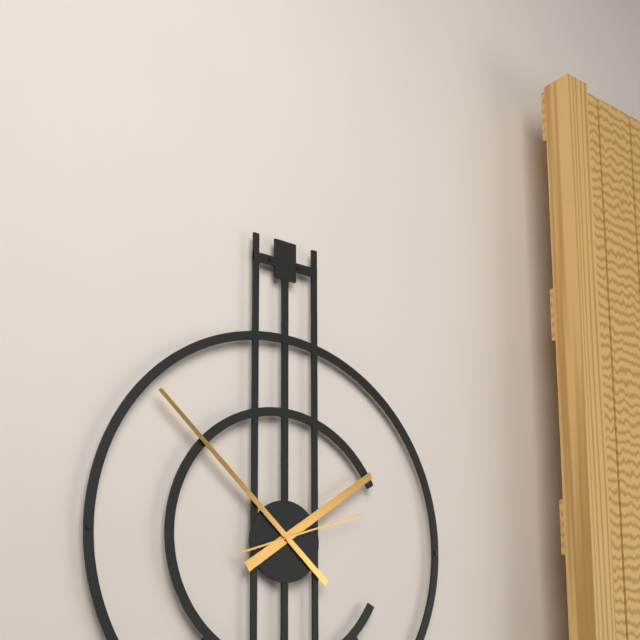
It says 1:52:12
